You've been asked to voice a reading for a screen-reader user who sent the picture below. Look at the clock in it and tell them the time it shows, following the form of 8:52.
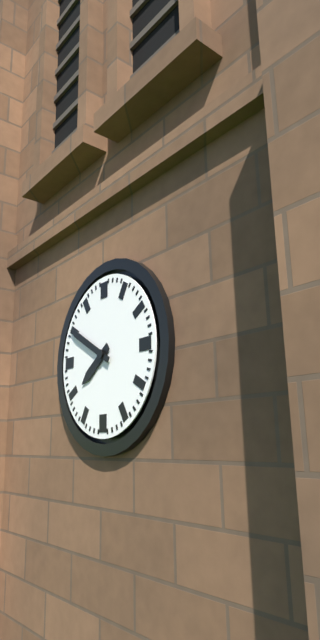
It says 7:50
